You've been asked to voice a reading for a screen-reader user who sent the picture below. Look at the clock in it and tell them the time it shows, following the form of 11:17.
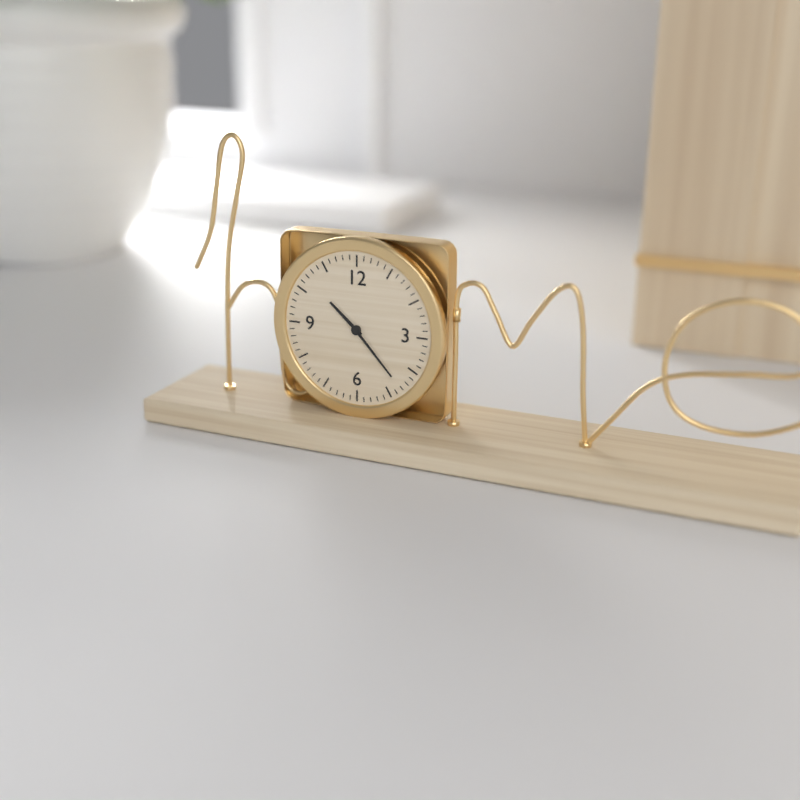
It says 10:23
